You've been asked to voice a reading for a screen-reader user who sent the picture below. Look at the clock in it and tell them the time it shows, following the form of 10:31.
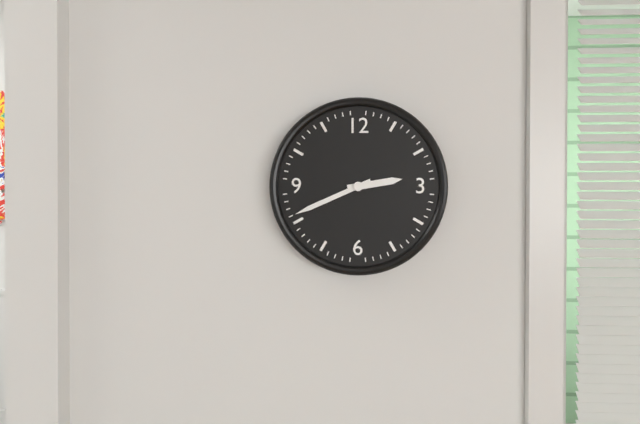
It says 2:41
